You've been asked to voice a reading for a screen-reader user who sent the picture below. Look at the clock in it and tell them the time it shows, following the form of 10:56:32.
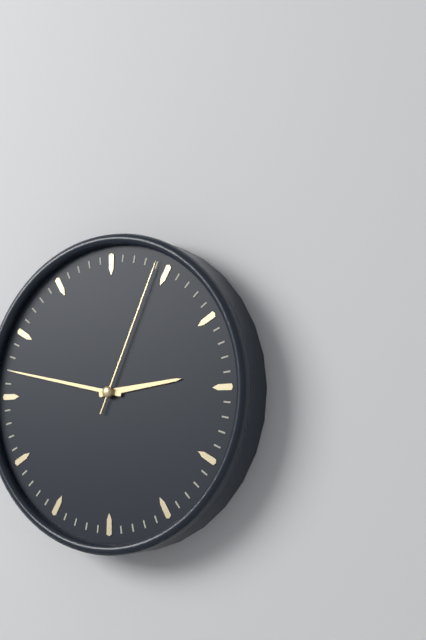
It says 2:47:04
